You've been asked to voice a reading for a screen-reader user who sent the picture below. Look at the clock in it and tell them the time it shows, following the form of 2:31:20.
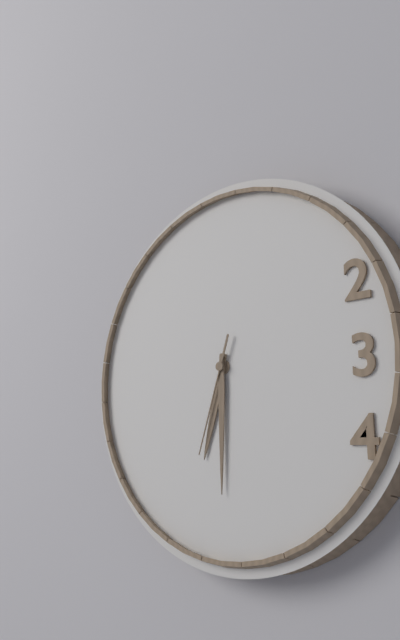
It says 6:30:33
